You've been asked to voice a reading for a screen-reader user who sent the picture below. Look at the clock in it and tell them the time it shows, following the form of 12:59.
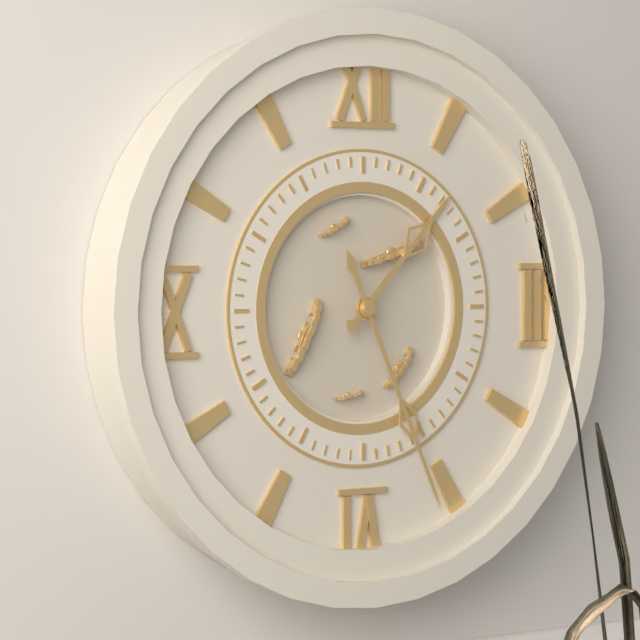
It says 1:26
